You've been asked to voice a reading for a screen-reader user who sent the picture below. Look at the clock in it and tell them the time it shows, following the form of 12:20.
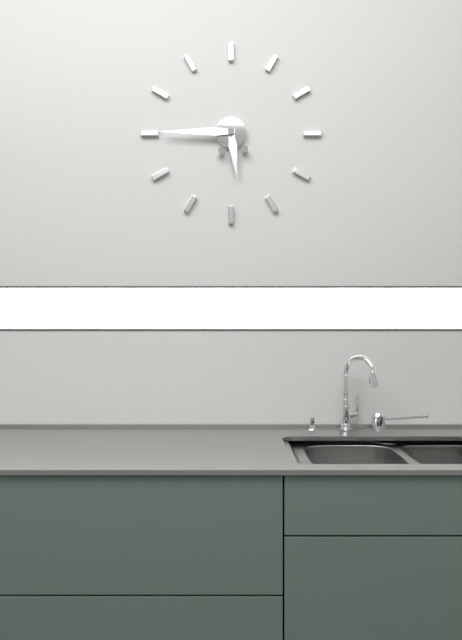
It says 5:45
